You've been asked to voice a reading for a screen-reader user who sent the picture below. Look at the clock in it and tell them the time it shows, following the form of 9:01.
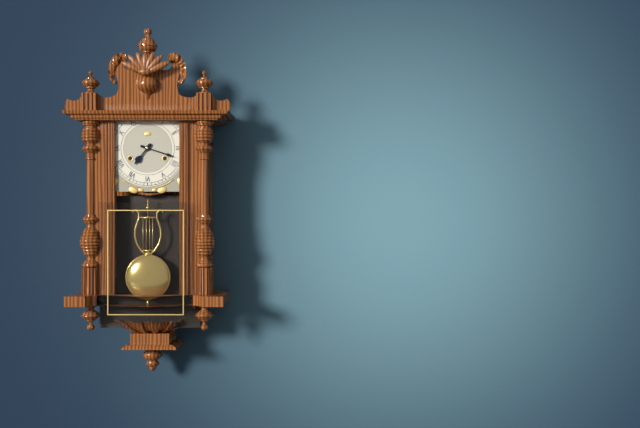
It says 7:18
